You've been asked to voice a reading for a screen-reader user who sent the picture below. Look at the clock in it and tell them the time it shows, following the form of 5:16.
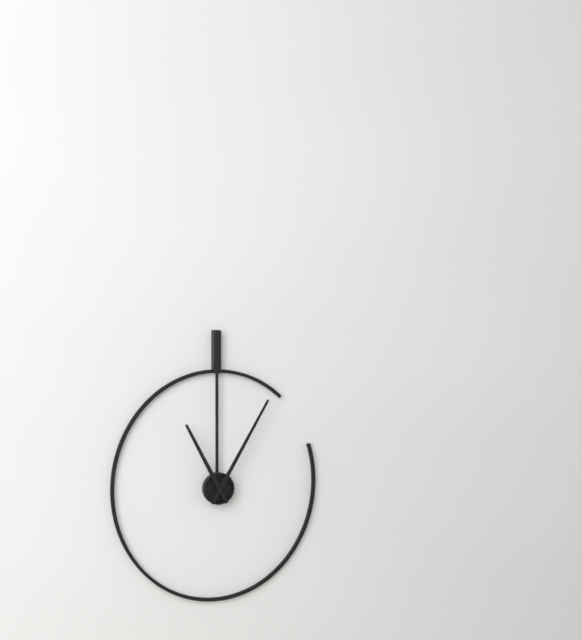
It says 11:05
